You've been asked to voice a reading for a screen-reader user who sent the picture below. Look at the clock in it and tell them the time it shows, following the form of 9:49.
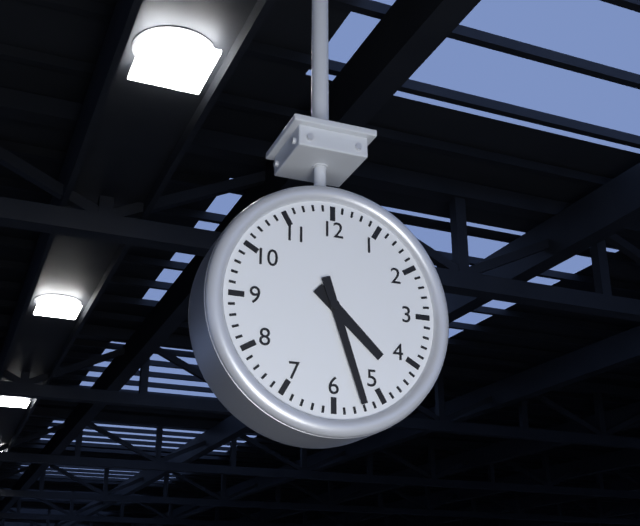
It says 4:27
